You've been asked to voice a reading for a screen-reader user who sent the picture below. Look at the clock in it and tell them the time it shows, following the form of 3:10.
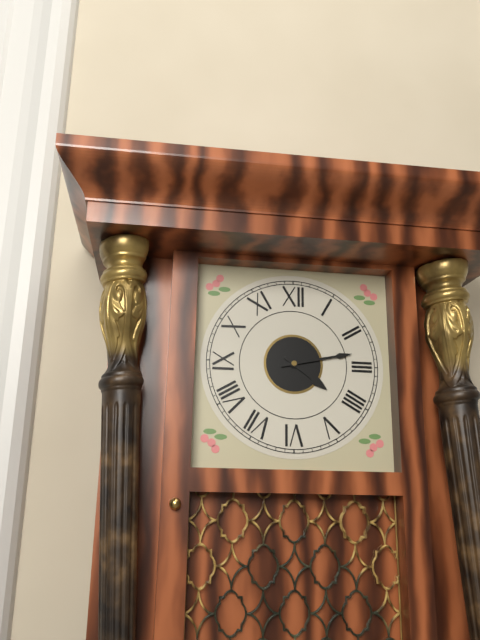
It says 4:13
